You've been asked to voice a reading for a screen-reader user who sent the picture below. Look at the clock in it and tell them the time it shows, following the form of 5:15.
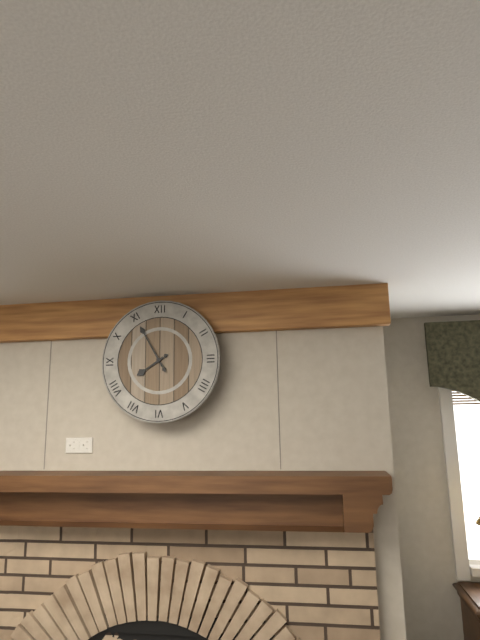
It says 7:55
